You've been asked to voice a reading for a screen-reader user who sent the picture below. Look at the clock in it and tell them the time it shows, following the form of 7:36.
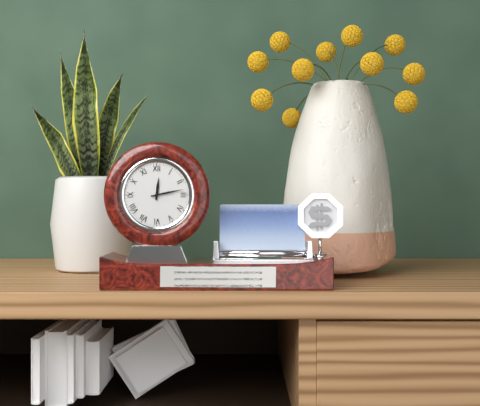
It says 12:13
